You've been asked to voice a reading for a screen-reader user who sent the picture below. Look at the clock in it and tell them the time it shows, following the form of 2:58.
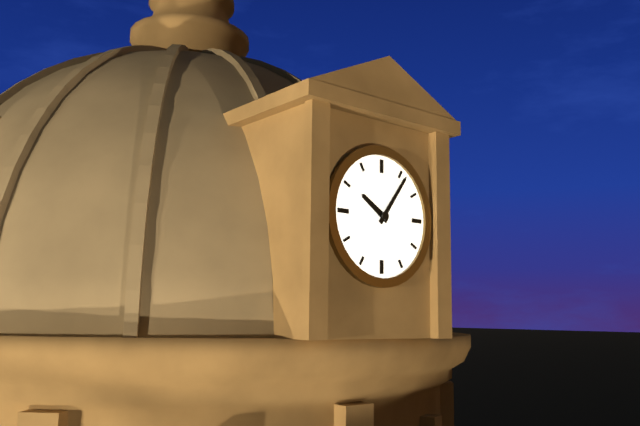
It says 10:06
